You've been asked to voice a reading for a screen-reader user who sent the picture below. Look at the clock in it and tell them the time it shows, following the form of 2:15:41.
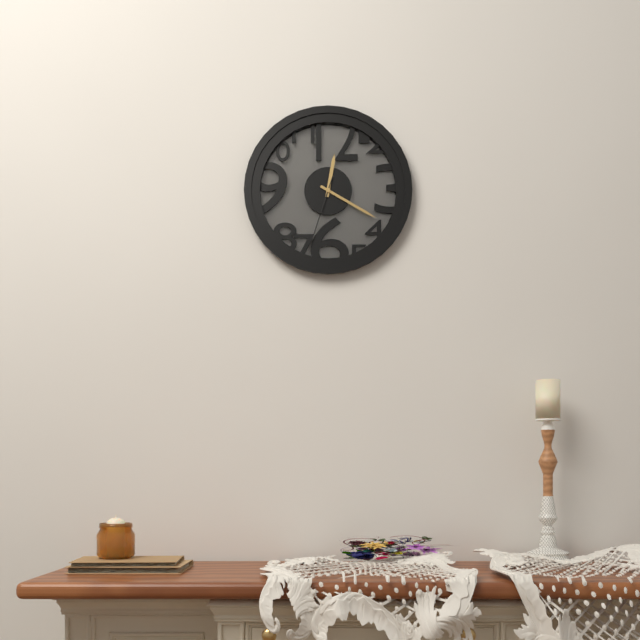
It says 12:20:33
